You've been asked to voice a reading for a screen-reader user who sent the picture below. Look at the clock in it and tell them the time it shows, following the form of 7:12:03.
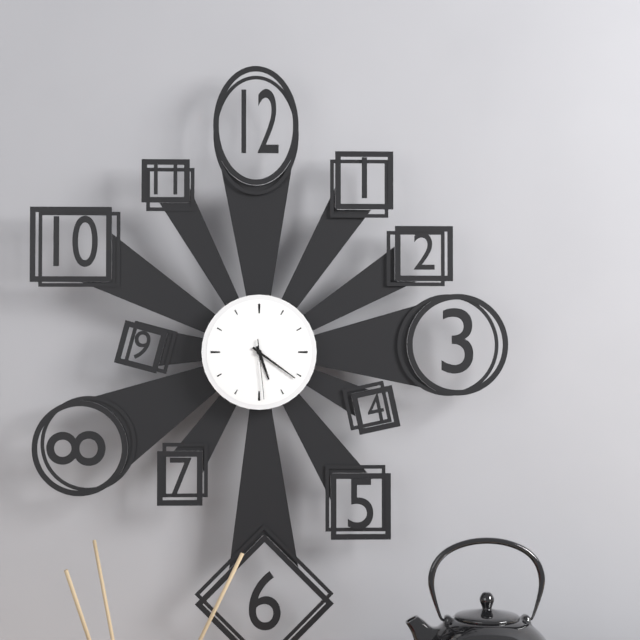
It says 5:21:29
